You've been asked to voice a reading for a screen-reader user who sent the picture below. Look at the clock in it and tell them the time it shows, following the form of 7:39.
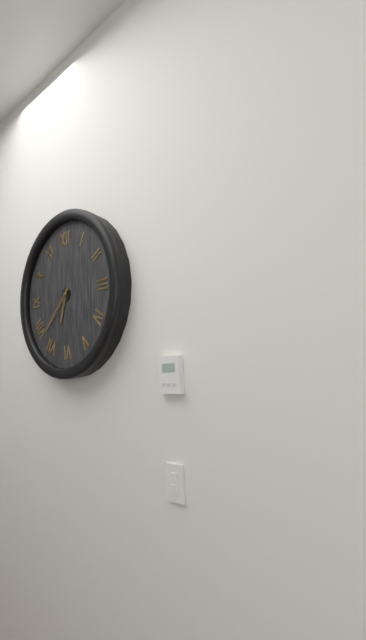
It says 6:38
